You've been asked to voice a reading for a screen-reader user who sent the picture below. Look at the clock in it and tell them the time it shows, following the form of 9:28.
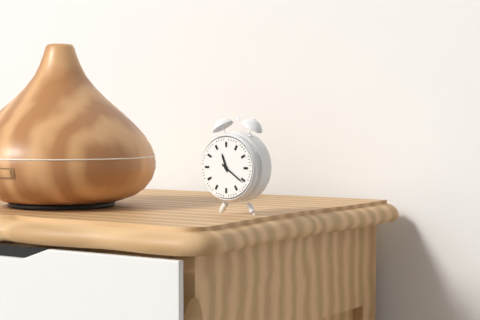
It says 11:21
